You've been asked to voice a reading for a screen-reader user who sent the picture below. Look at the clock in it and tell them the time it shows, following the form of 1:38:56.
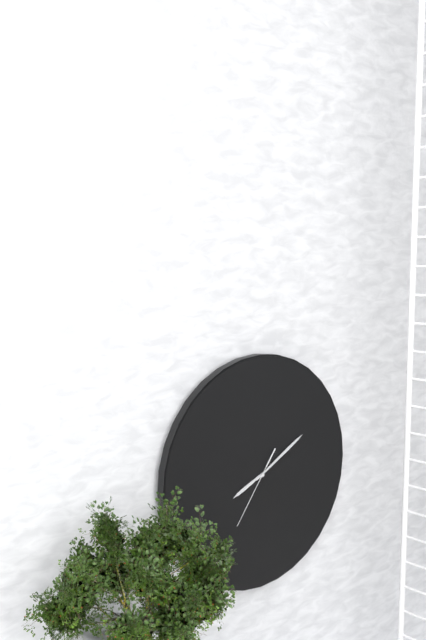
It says 8:10:36
